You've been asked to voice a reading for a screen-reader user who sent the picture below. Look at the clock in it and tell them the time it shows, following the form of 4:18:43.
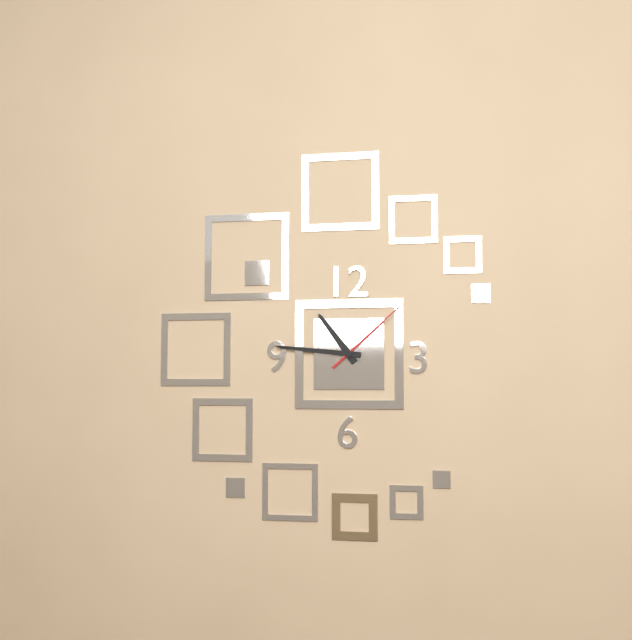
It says 10:46:08
